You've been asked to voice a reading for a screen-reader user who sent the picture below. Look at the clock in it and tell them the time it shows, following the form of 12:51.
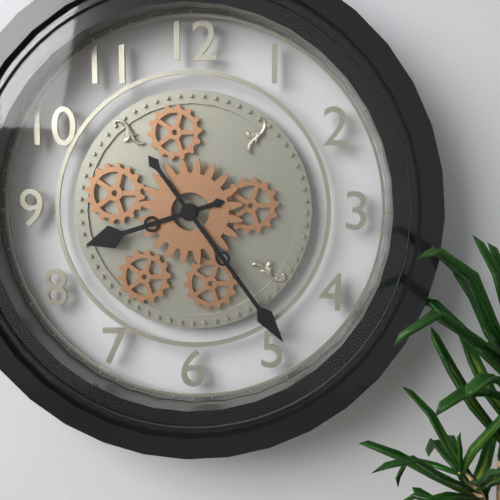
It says 8:24
